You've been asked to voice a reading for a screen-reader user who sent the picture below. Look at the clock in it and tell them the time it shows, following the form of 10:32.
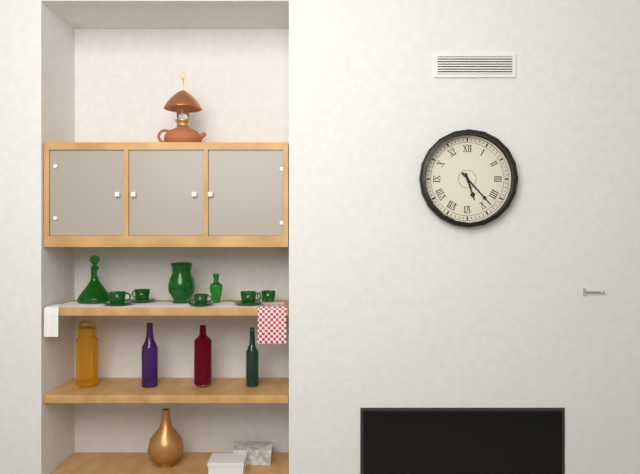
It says 5:23
